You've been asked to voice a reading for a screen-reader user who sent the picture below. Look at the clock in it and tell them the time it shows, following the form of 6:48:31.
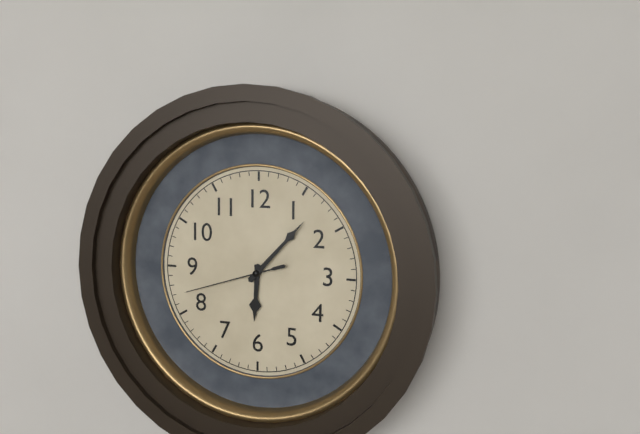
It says 6:07:42
